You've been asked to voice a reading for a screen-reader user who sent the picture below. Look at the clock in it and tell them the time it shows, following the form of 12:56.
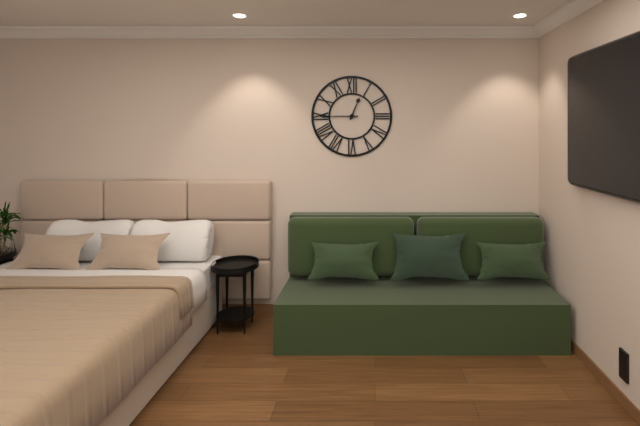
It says 12:45
